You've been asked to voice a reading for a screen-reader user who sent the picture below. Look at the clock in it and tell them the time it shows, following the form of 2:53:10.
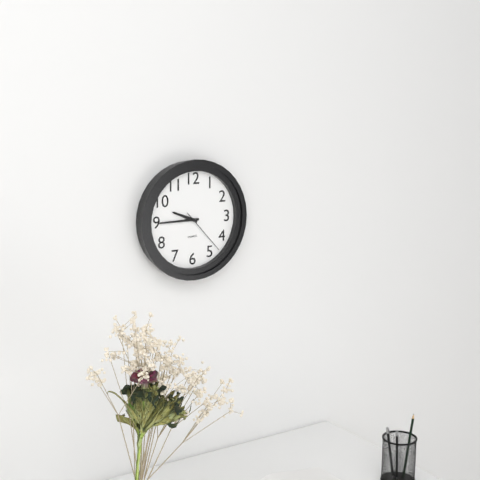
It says 9:45:23
